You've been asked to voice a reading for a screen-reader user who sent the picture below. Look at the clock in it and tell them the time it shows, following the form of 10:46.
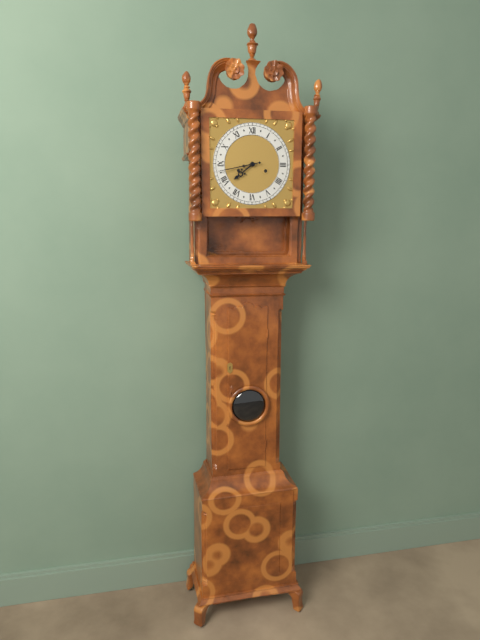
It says 7:43
